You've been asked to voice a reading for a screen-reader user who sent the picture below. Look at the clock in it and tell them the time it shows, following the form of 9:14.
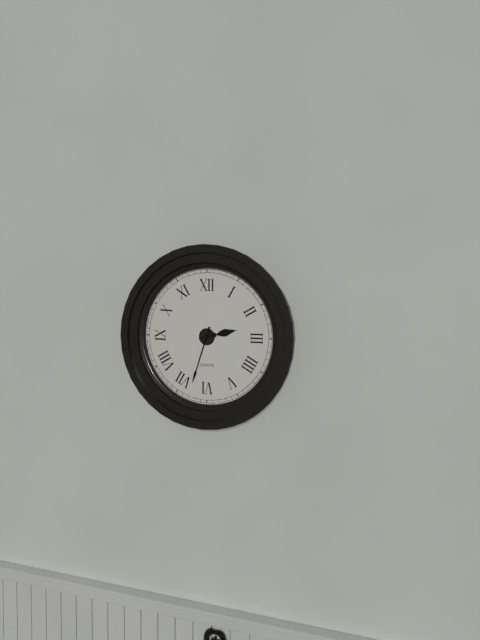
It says 2:33
